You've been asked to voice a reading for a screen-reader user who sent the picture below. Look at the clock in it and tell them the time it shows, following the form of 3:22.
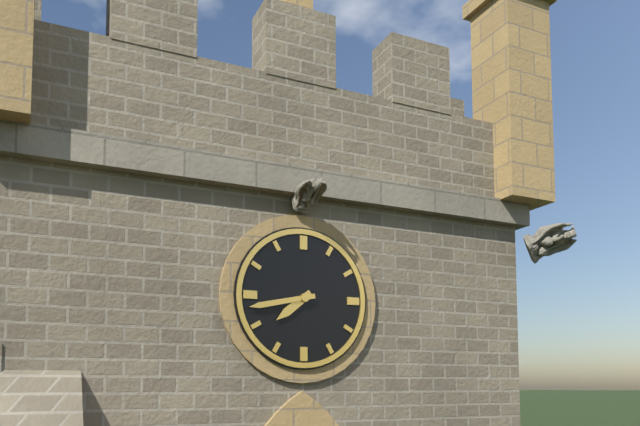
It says 7:43
